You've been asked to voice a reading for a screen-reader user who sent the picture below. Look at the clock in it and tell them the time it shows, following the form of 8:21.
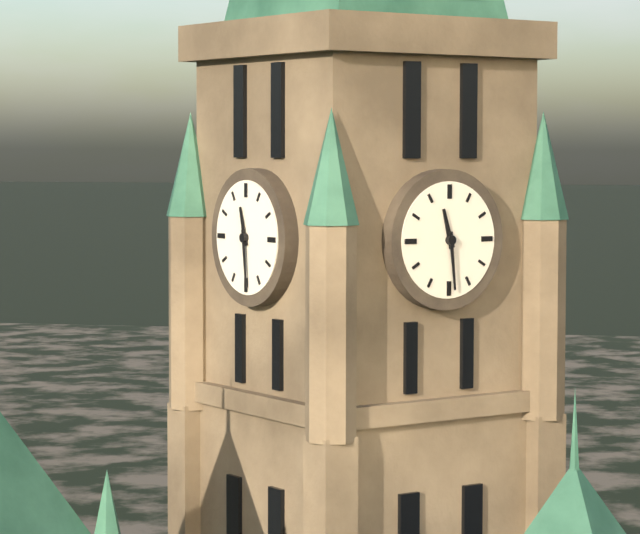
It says 11:29
